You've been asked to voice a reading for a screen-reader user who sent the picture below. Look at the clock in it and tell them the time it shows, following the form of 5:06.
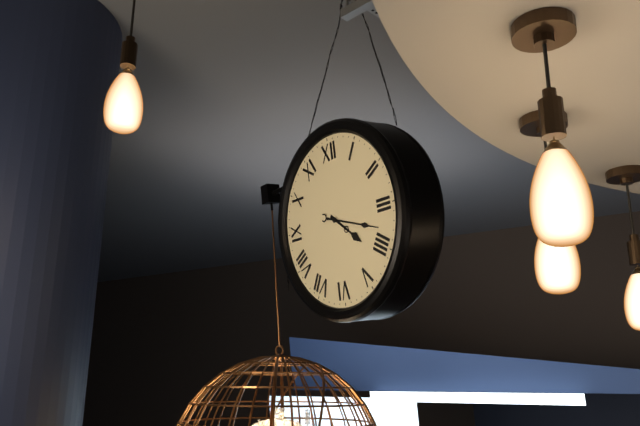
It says 4:18
